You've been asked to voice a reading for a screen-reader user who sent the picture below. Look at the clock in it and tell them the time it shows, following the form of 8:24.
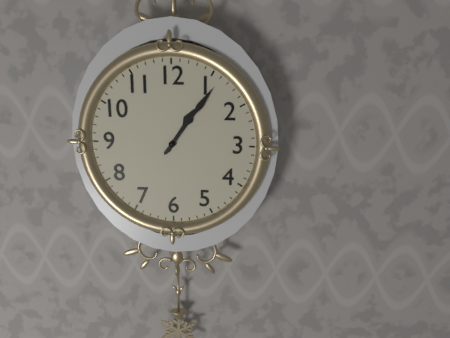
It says 1:06
